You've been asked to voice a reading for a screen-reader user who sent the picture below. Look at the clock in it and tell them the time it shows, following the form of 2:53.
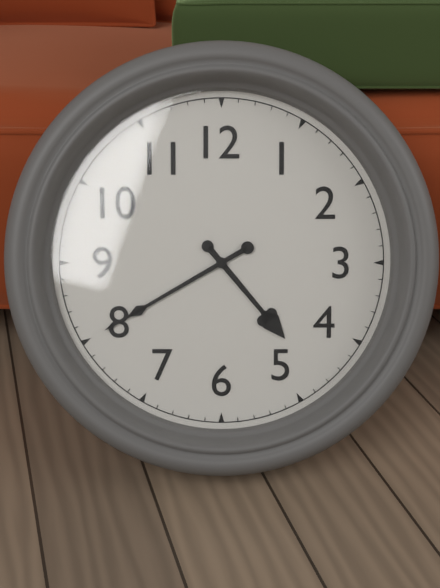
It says 4:40
